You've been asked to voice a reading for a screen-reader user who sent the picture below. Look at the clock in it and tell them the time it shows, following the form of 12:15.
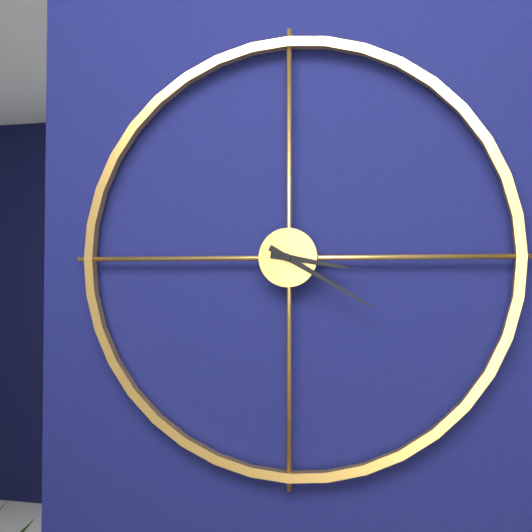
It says 3:20
